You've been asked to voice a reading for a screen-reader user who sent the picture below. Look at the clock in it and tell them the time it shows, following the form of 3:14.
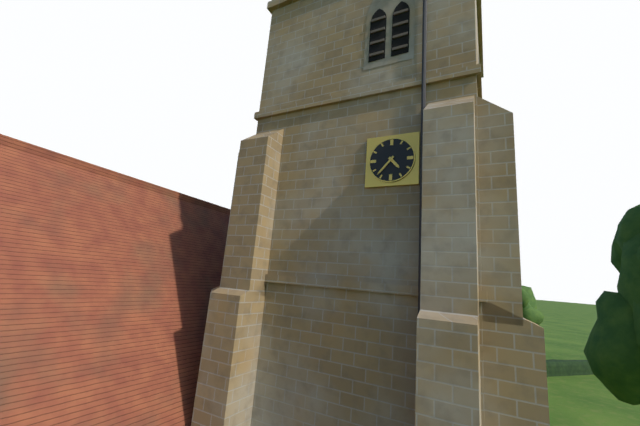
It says 4:37
